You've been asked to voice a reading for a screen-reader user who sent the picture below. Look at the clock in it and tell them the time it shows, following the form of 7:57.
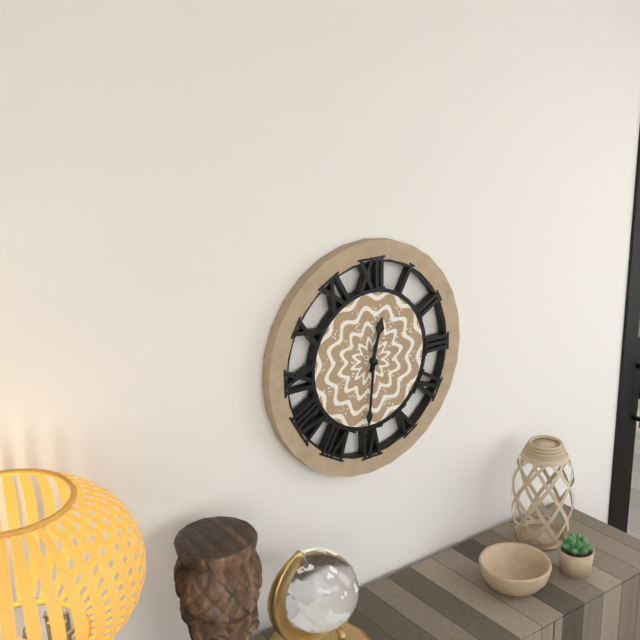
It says 12:31
